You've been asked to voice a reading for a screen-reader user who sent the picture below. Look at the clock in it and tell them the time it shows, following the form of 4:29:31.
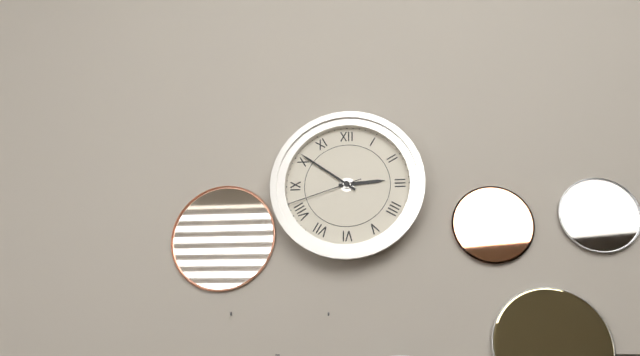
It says 2:51:42
